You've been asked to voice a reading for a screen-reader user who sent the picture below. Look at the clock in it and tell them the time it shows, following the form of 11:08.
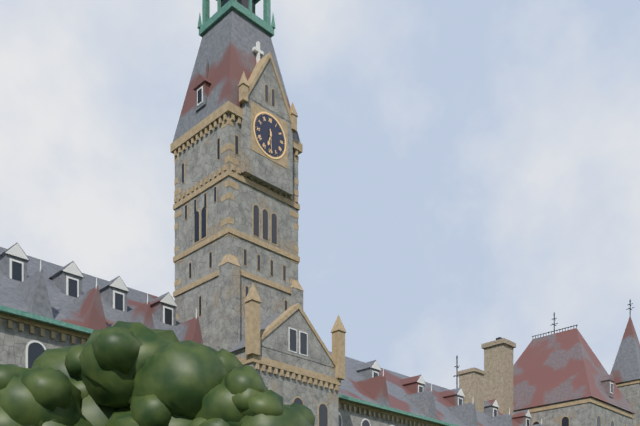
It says 6:29
